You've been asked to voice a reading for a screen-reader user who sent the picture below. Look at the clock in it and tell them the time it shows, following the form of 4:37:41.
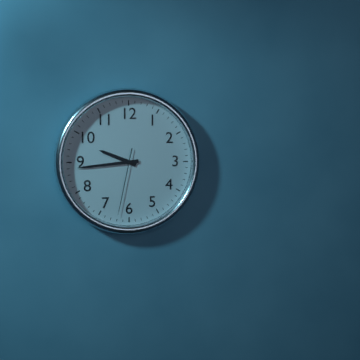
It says 9:44:32
